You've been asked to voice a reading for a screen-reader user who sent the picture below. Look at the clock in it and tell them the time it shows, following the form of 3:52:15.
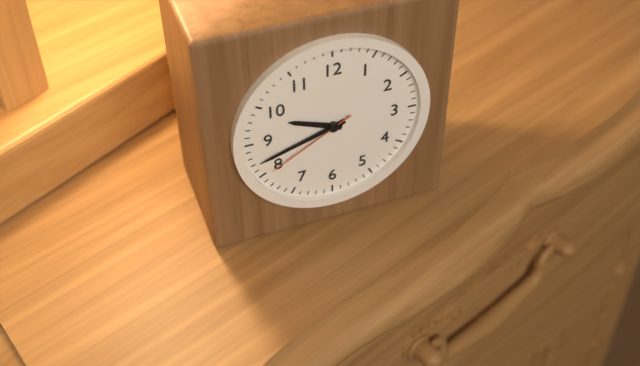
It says 9:42:40
